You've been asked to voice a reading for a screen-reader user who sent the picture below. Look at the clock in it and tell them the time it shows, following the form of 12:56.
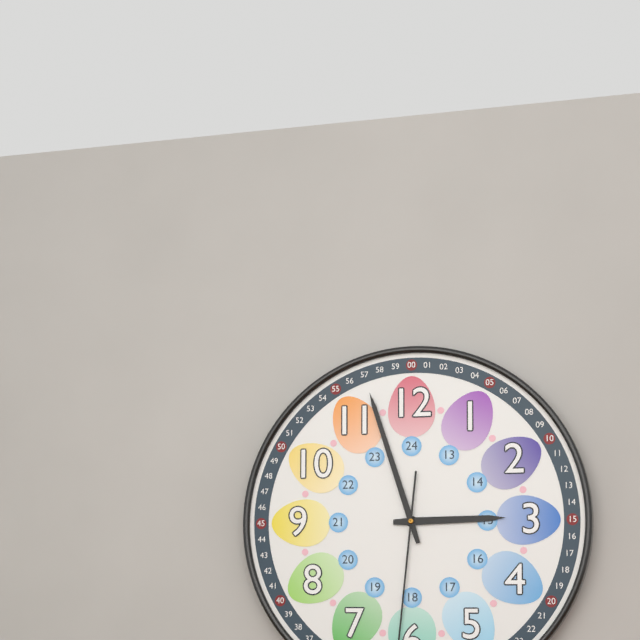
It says 2:57
